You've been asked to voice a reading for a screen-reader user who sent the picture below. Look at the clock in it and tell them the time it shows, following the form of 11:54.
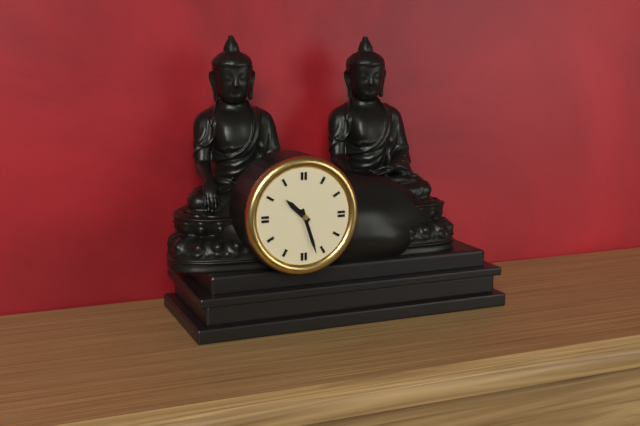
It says 10:27
